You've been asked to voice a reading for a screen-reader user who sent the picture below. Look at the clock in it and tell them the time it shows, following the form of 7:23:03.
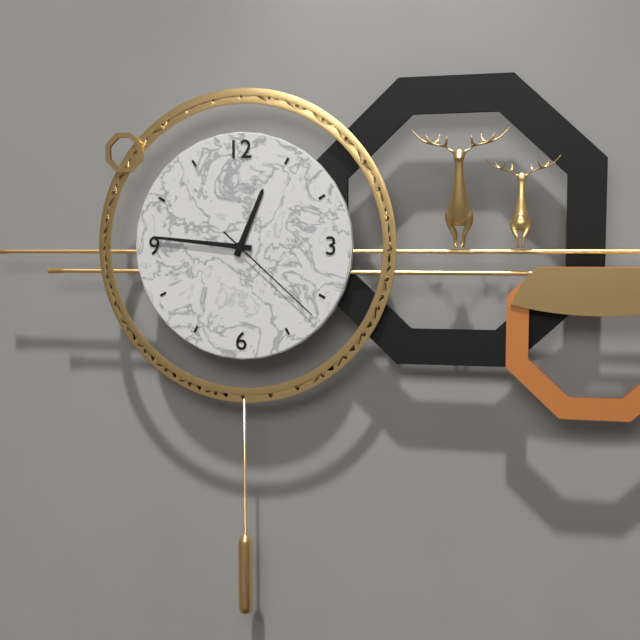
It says 12:46:22
